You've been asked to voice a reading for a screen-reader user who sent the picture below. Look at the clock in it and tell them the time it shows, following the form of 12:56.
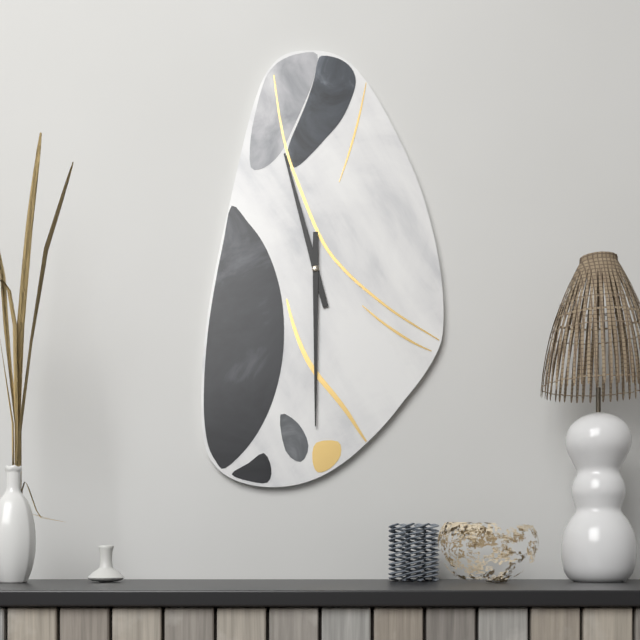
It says 11:30
